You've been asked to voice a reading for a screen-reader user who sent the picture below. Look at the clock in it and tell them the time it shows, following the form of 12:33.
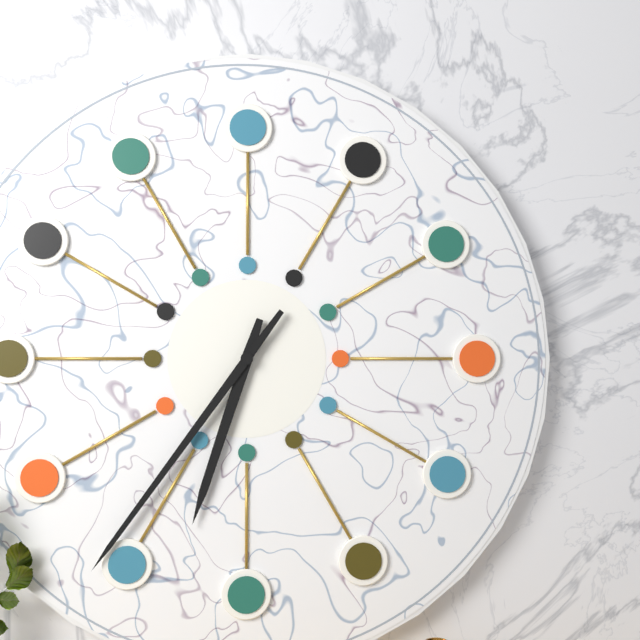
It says 6:36
